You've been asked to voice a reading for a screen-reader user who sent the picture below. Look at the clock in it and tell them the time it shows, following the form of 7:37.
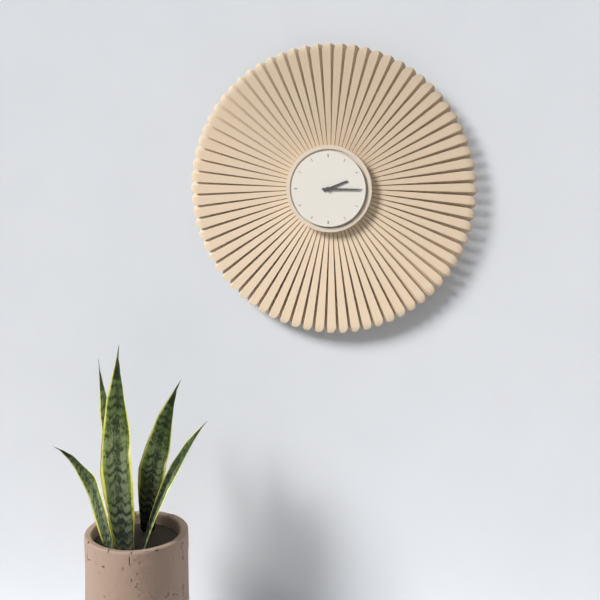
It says 2:15
